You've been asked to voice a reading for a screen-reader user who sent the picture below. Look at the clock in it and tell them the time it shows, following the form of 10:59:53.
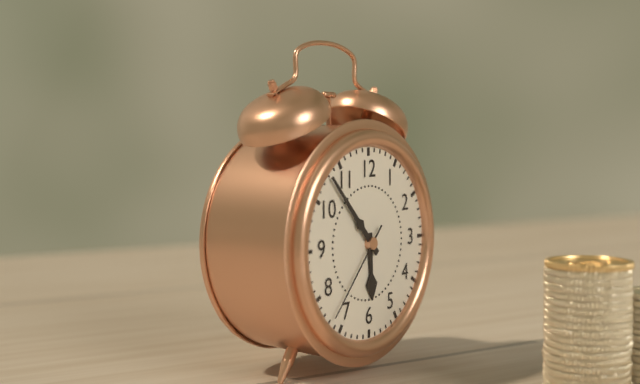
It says 5:53:37
